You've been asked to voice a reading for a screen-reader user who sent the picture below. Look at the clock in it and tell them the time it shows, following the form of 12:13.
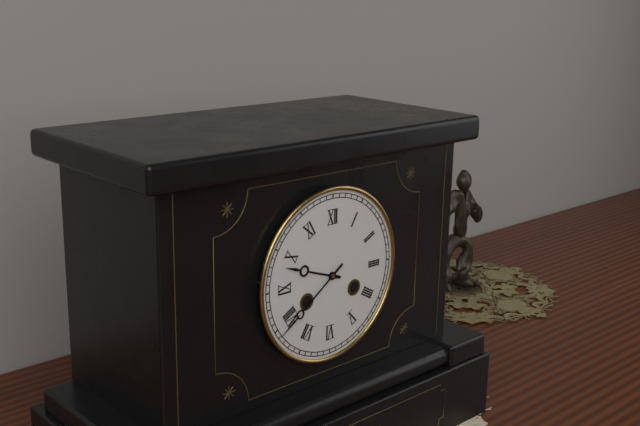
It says 9:39
